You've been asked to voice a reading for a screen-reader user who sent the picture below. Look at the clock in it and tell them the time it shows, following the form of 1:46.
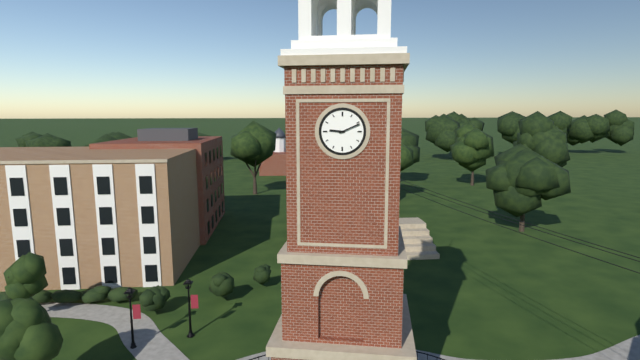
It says 9:11
